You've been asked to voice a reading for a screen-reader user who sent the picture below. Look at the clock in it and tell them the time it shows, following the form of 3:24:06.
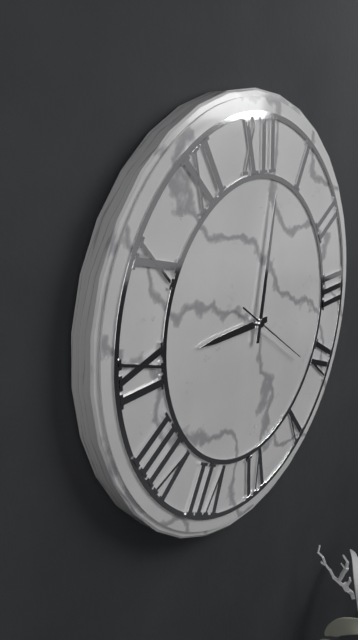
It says 9:02:21
